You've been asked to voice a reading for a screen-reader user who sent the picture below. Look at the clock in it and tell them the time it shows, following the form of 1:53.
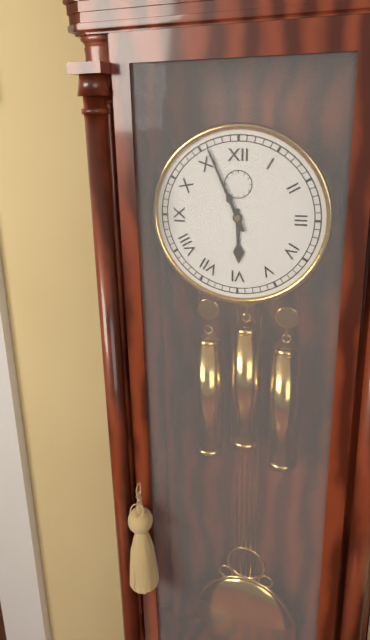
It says 5:56
